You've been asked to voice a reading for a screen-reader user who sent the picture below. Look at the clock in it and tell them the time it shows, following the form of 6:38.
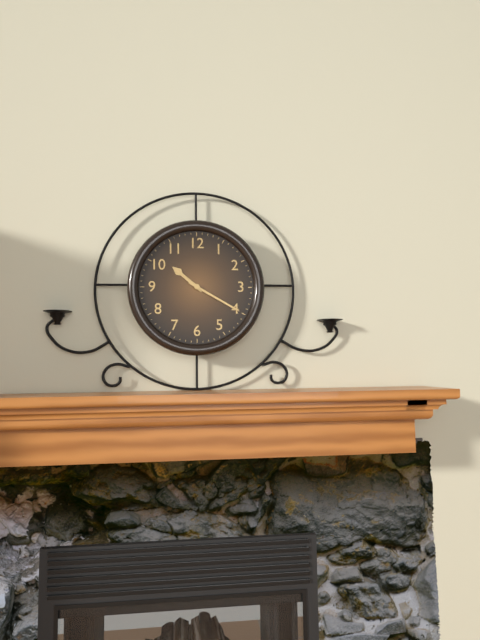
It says 10:20
